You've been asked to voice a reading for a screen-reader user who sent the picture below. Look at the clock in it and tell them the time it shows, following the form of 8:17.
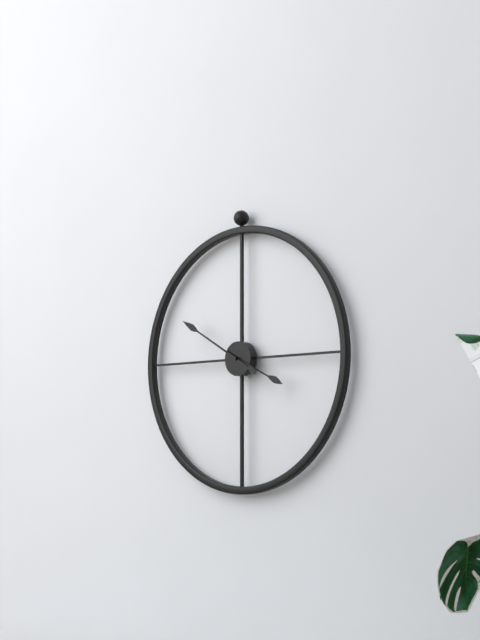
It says 3:50
